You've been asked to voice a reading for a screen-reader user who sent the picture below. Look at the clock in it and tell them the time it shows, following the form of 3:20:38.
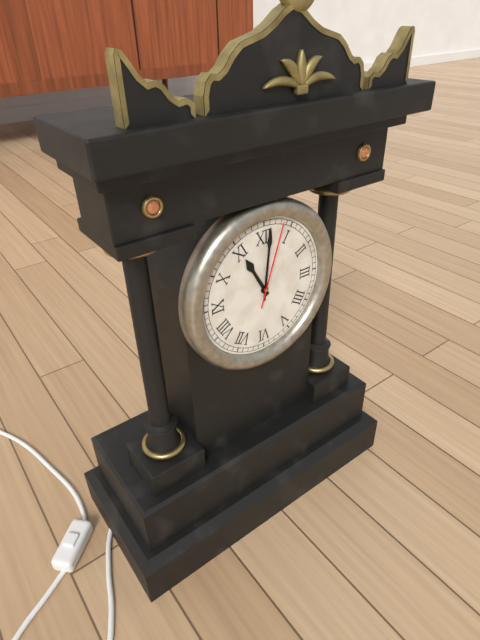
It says 11:01:03
